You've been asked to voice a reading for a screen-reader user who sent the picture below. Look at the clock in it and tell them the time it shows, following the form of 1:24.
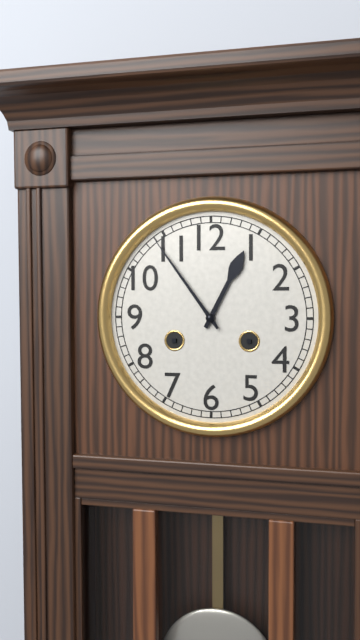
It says 12:54
